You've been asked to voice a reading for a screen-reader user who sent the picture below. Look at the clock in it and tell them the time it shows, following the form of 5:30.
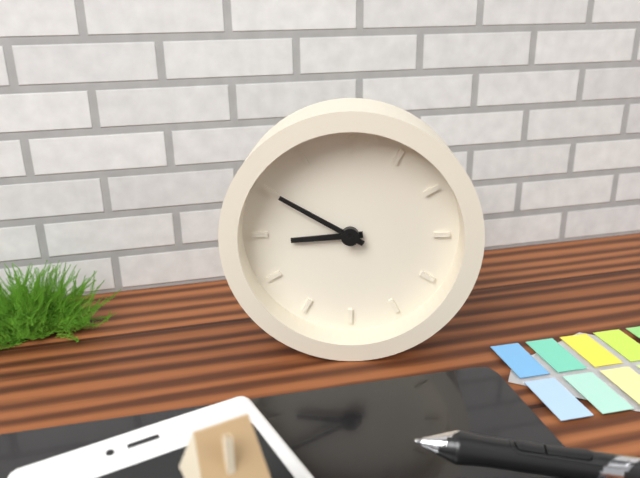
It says 8:50
